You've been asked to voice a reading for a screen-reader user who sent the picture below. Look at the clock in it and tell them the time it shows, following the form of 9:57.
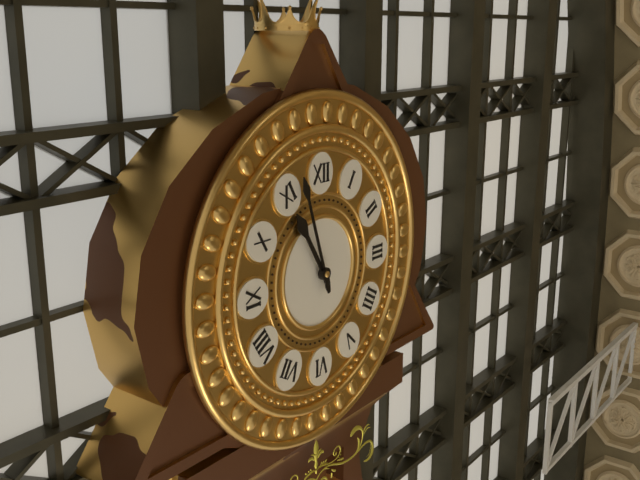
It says 10:57
